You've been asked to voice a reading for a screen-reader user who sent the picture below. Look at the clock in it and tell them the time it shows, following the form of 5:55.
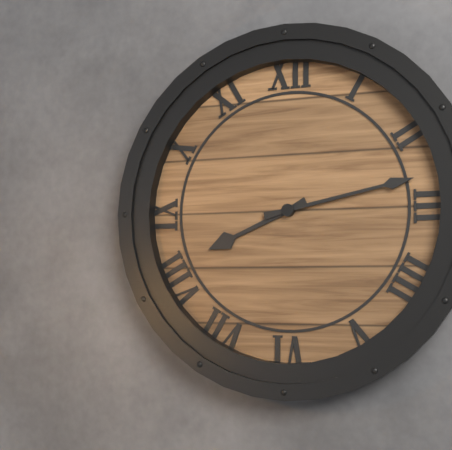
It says 8:13
